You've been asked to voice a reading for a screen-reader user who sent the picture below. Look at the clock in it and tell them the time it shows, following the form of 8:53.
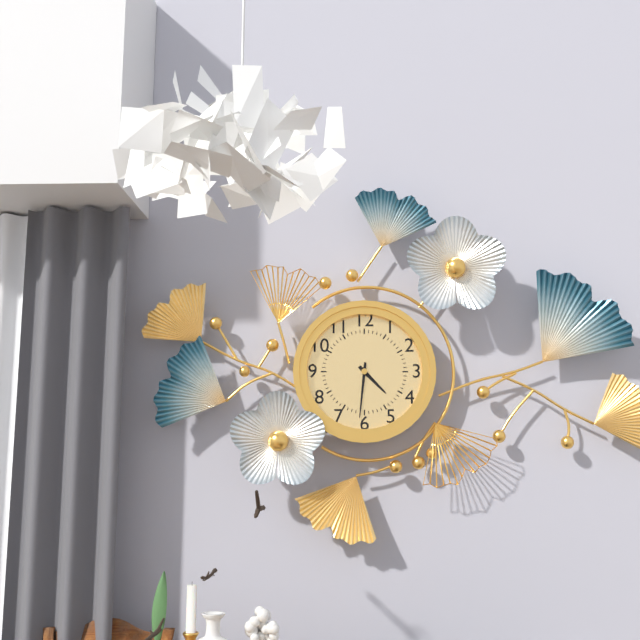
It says 4:31
